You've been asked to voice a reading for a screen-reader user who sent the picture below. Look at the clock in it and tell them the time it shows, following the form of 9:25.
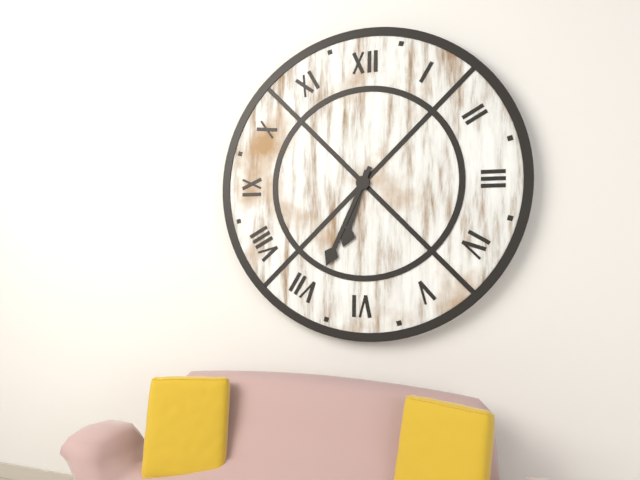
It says 6:34
